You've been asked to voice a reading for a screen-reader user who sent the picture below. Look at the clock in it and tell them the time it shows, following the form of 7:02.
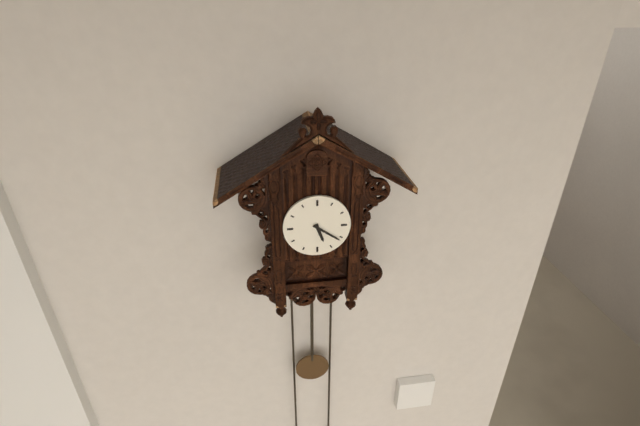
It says 5:21
